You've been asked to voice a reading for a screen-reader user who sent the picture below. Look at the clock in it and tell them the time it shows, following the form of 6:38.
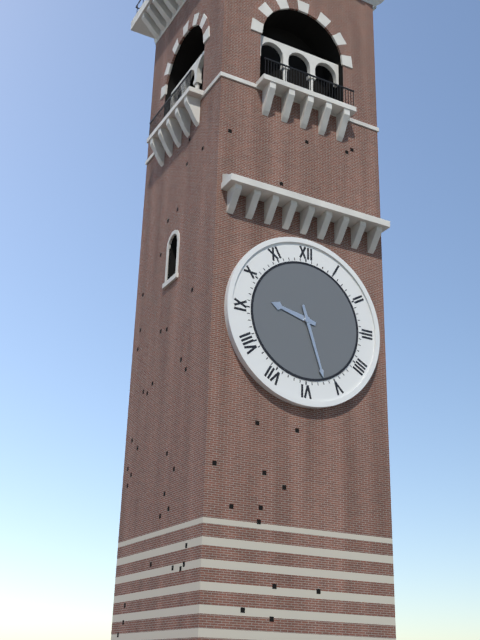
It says 9:27
